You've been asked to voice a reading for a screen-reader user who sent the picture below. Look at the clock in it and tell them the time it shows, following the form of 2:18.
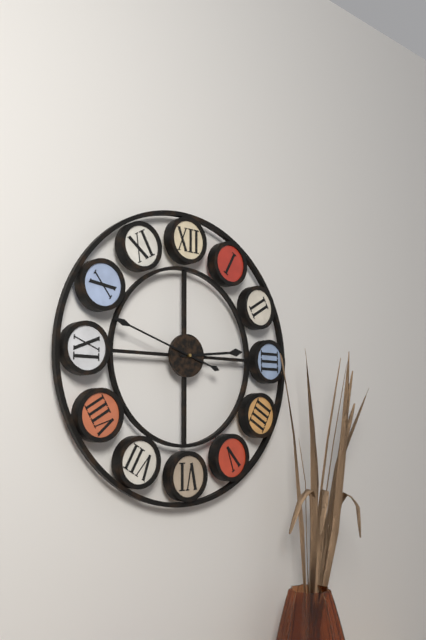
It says 2:48
